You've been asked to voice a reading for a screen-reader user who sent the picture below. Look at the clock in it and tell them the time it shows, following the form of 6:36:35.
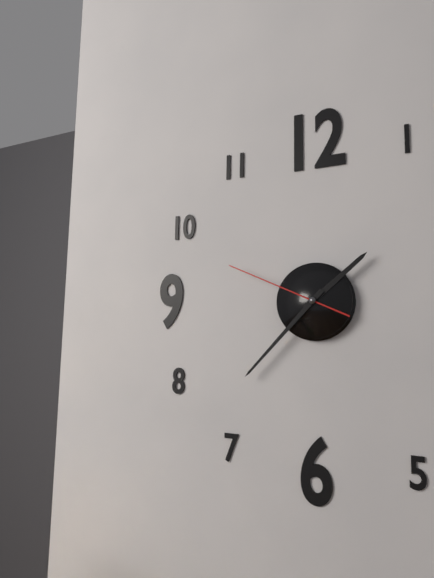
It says 1:37:49
